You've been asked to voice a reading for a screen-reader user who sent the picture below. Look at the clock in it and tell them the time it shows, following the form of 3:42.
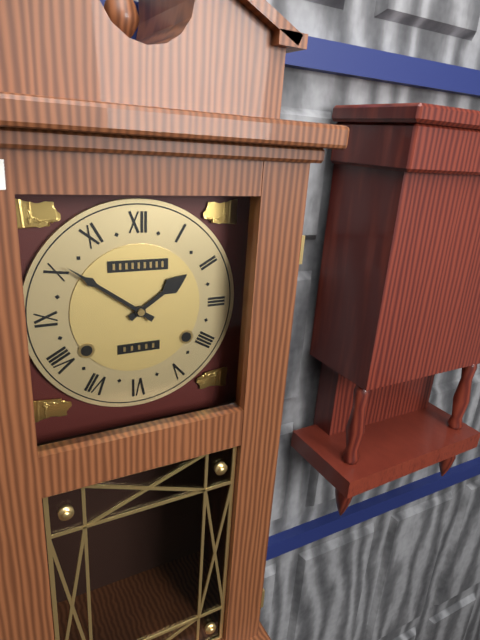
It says 1:51
